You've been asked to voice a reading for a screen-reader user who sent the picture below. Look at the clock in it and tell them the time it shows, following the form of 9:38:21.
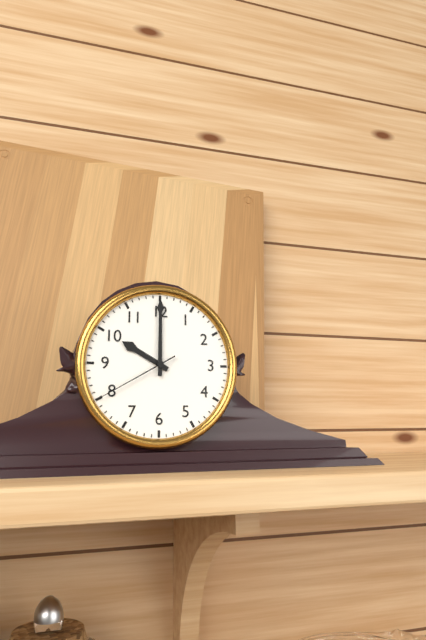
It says 10:00:40
